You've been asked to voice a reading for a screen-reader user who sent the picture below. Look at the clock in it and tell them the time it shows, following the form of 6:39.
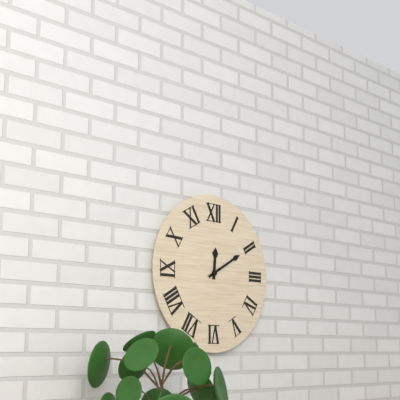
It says 12:10
